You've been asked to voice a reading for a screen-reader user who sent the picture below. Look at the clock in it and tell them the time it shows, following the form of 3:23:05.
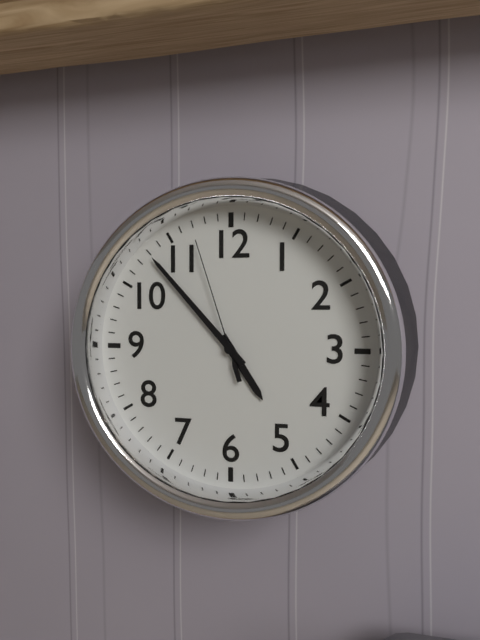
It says 4:53:57
